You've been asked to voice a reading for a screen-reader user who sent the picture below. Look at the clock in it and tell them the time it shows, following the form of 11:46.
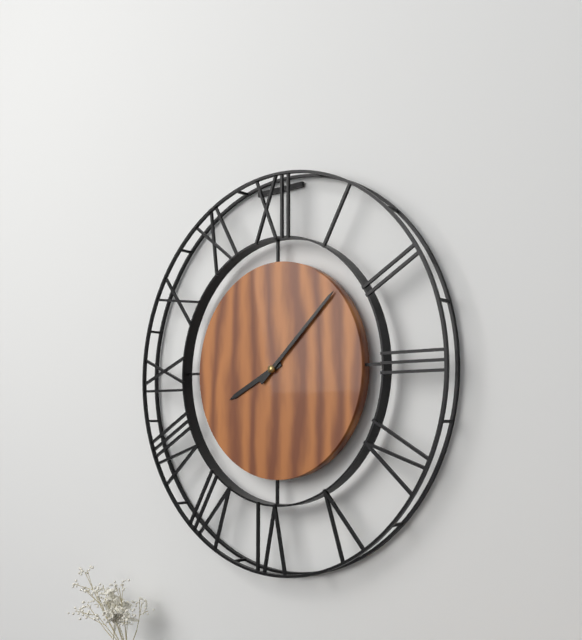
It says 8:08
